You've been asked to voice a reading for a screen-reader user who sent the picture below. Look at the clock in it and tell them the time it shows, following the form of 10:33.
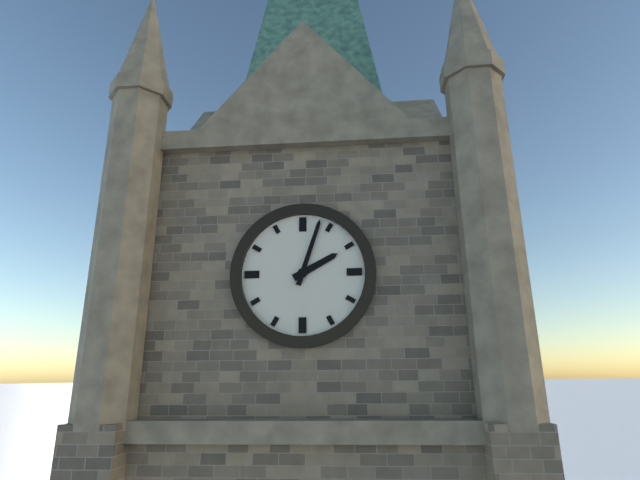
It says 2:03
